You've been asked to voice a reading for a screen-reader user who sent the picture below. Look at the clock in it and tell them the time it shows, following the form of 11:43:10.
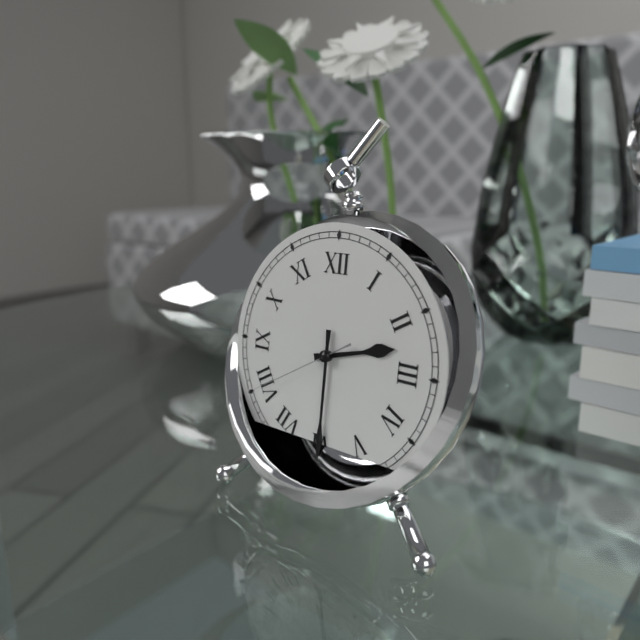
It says 2:30:40
